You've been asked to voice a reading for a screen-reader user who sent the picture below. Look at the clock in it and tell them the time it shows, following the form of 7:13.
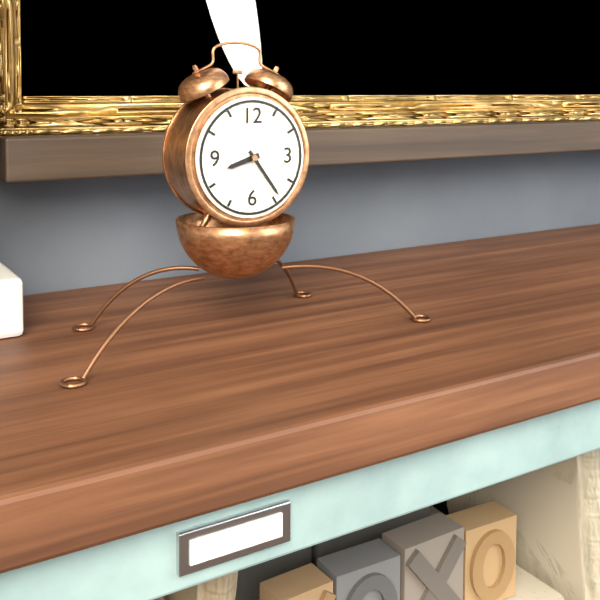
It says 8:24
